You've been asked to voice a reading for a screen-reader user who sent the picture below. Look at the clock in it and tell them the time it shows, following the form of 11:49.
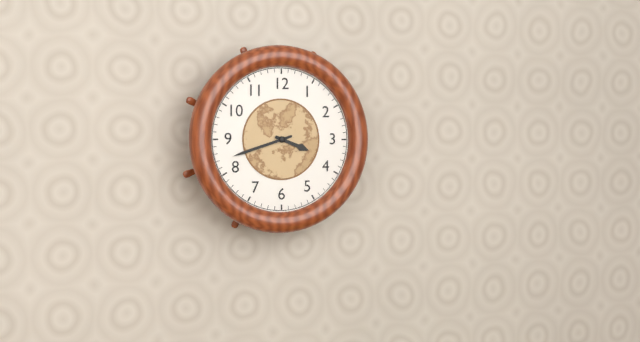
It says 3:42
